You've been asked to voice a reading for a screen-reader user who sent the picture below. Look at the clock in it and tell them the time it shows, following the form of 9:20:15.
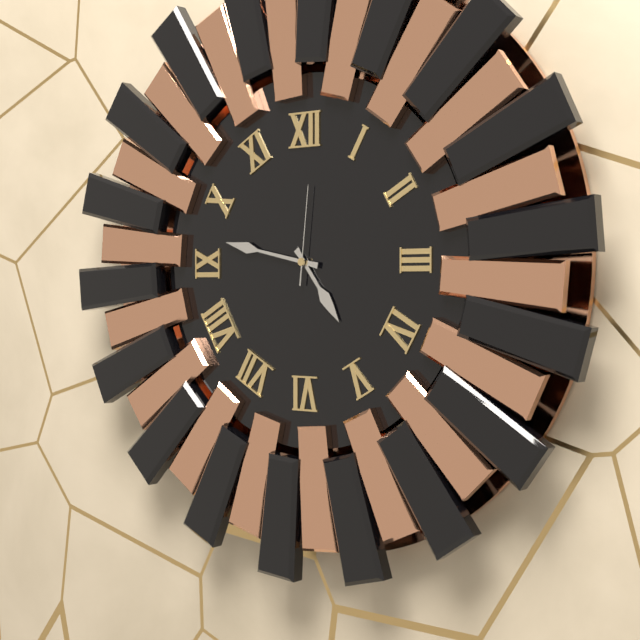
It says 4:47:01
